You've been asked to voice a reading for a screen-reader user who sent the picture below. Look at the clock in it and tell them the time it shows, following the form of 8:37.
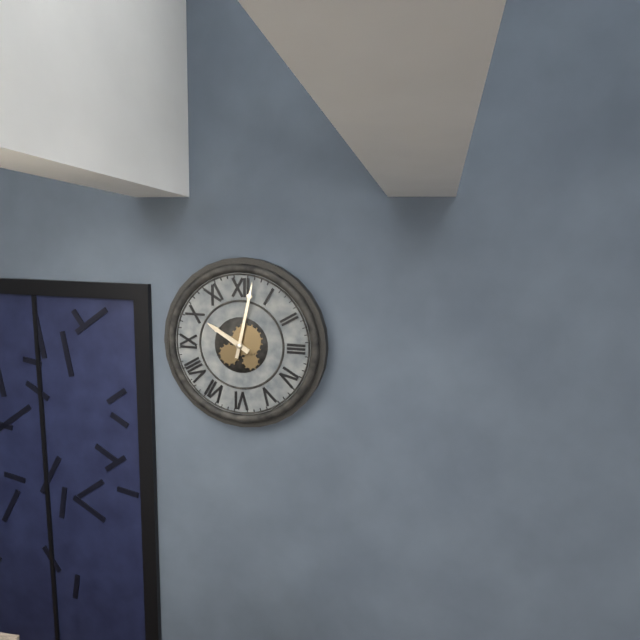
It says 10:02
